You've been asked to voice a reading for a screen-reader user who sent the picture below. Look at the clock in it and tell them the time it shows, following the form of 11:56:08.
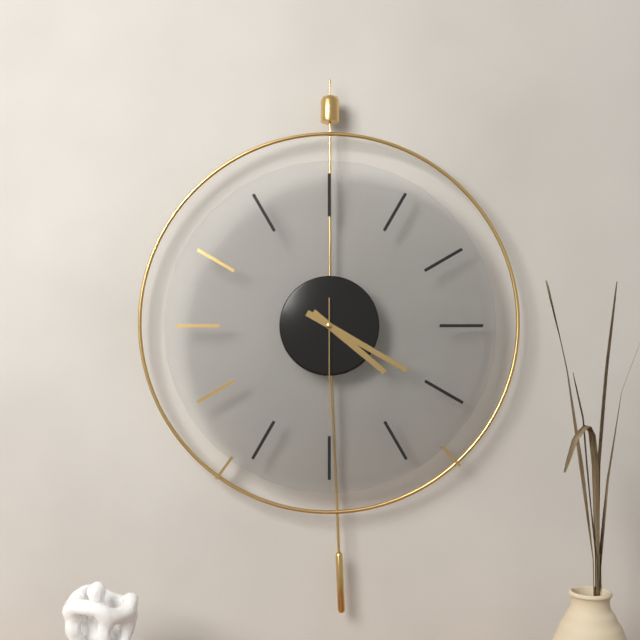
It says 4:20:30
